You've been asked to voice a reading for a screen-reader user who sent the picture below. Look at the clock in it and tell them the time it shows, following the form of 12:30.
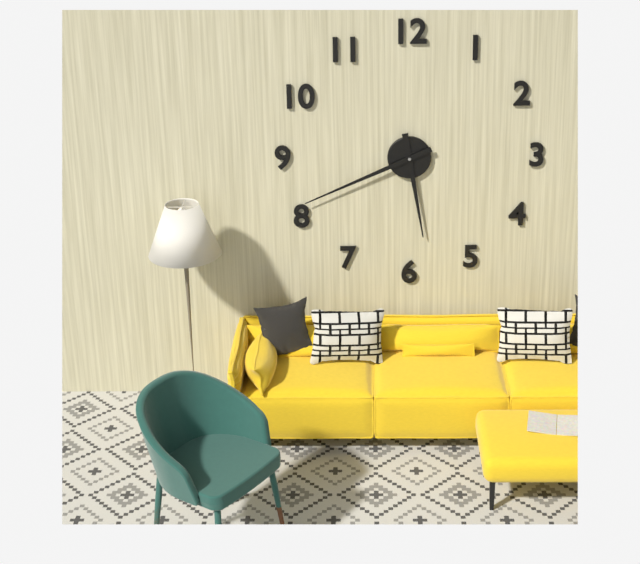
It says 5:41
